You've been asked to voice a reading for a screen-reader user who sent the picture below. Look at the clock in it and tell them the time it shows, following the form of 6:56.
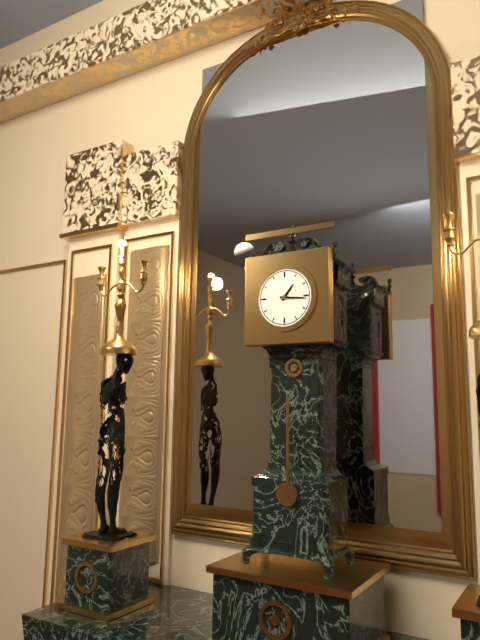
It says 1:16
